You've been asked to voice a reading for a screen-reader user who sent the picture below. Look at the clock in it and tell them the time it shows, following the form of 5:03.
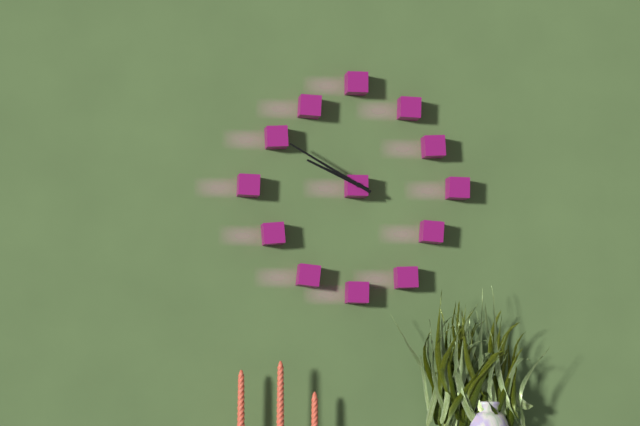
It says 9:50
